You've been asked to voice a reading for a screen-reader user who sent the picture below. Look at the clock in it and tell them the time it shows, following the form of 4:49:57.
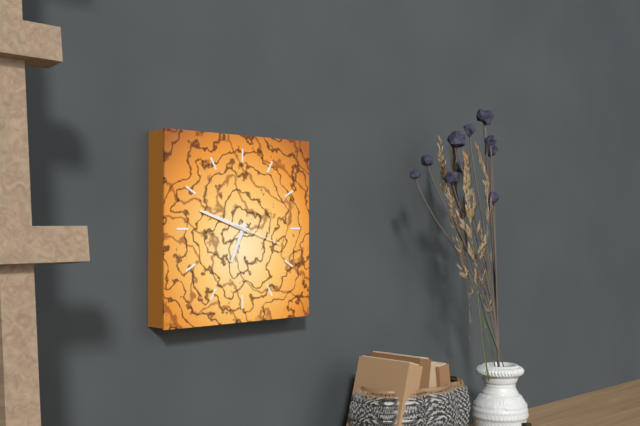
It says 6:48:18
